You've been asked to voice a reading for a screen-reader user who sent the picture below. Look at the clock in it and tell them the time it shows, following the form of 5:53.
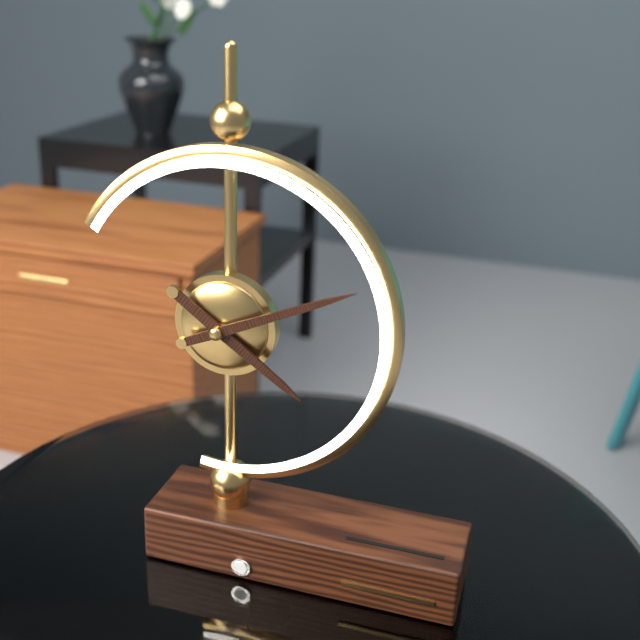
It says 4:11
